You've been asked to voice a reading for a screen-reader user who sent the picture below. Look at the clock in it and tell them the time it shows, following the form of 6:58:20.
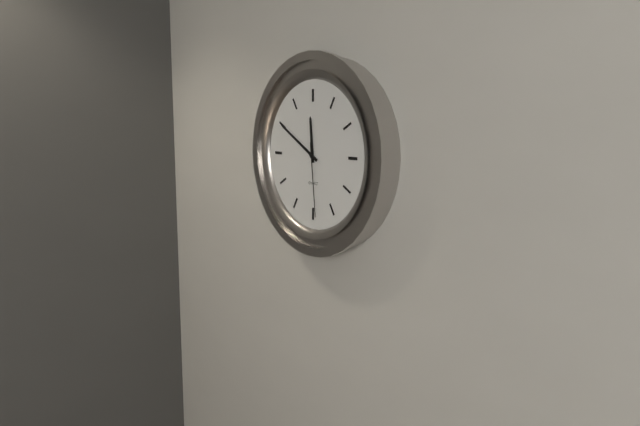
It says 11:50:29
